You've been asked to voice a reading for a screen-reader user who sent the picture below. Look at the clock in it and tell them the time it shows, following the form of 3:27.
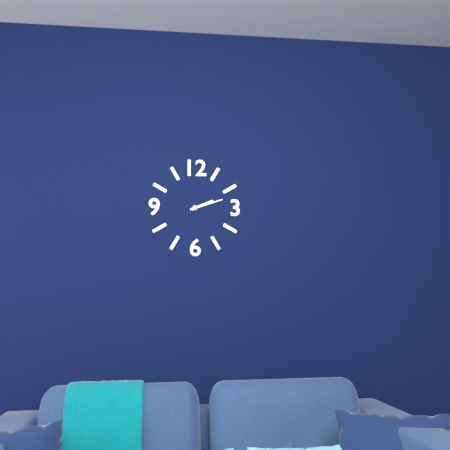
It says 2:12
